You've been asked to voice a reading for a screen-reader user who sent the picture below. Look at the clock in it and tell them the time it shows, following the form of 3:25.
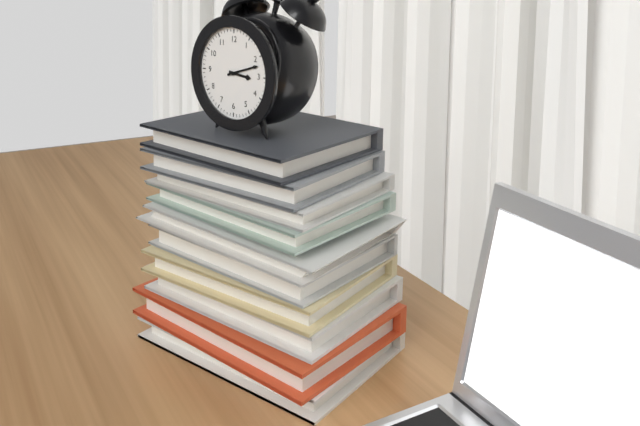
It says 3:12
